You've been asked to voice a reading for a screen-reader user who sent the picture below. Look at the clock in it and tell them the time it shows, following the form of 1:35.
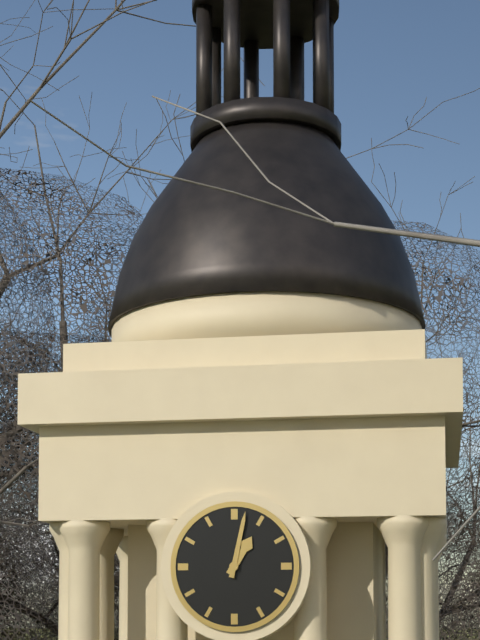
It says 1:02
